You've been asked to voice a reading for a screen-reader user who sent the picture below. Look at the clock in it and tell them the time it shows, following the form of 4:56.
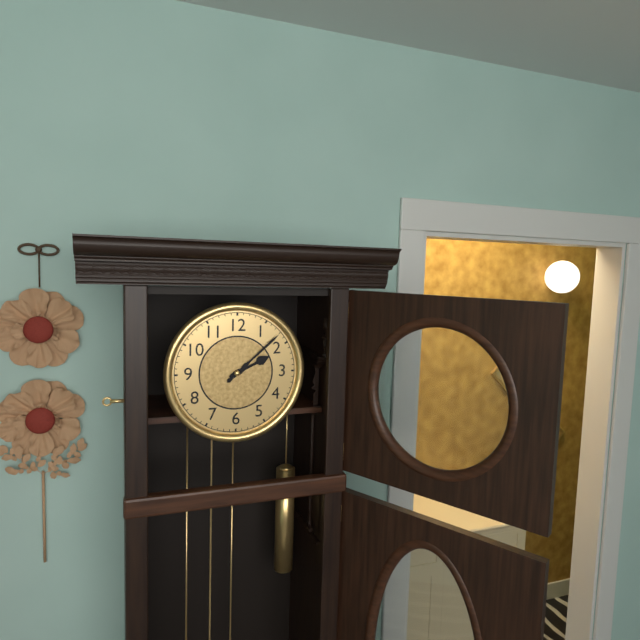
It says 2:08
